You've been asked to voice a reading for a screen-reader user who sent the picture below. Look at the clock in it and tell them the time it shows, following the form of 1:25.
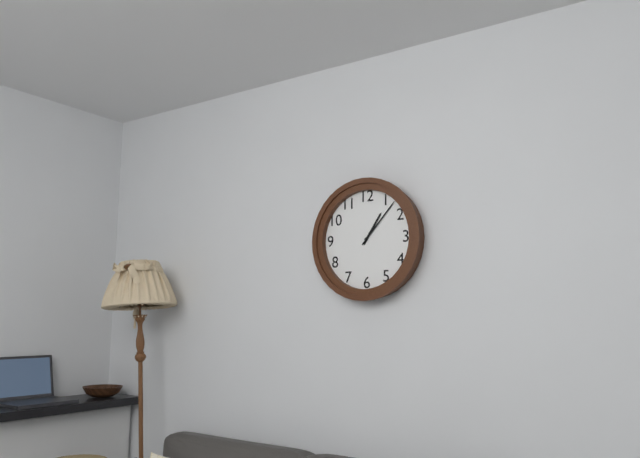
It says 1:07
